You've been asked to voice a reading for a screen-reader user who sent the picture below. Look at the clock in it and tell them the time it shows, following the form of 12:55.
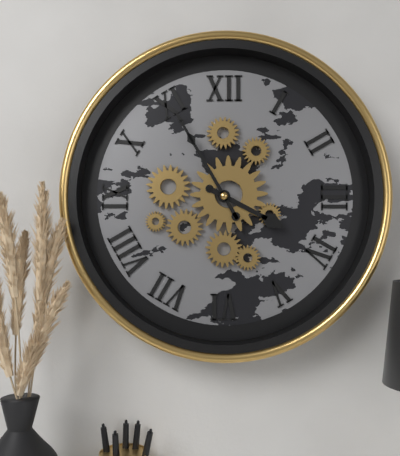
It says 3:55
